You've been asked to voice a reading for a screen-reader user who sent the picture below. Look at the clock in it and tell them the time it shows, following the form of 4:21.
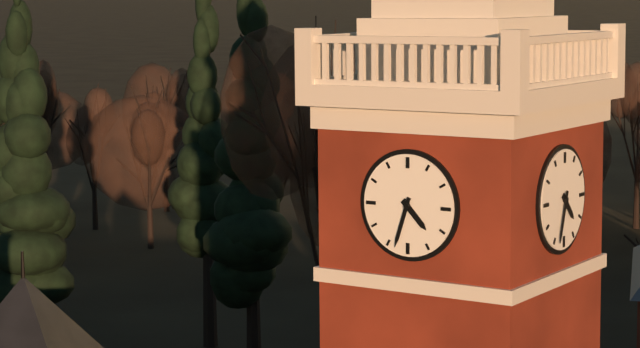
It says 4:33
